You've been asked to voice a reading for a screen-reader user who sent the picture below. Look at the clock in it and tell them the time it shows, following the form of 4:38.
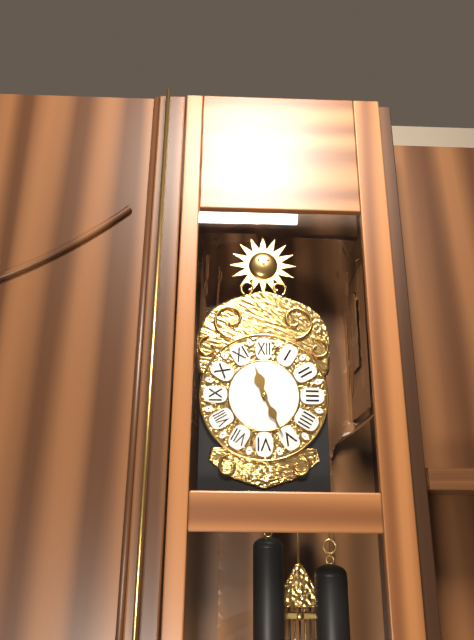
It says 11:26
